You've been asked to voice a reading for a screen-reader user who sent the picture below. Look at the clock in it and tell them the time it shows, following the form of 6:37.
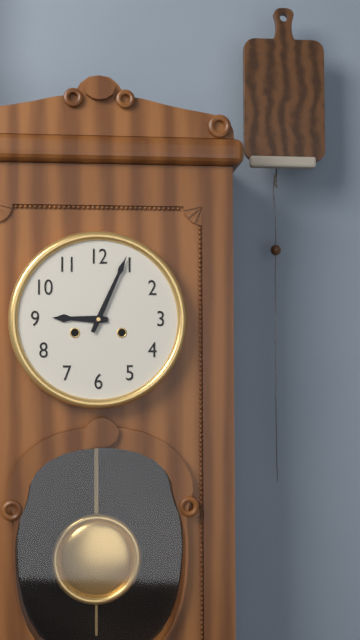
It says 9:04
